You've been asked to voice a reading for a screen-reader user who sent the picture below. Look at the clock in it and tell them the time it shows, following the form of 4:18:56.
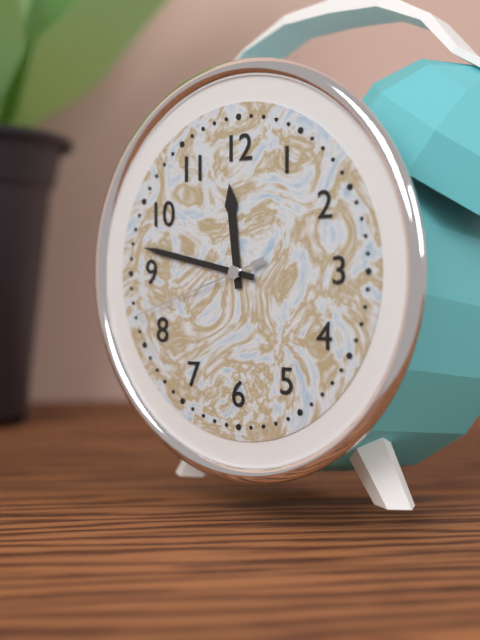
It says 11:47:42
